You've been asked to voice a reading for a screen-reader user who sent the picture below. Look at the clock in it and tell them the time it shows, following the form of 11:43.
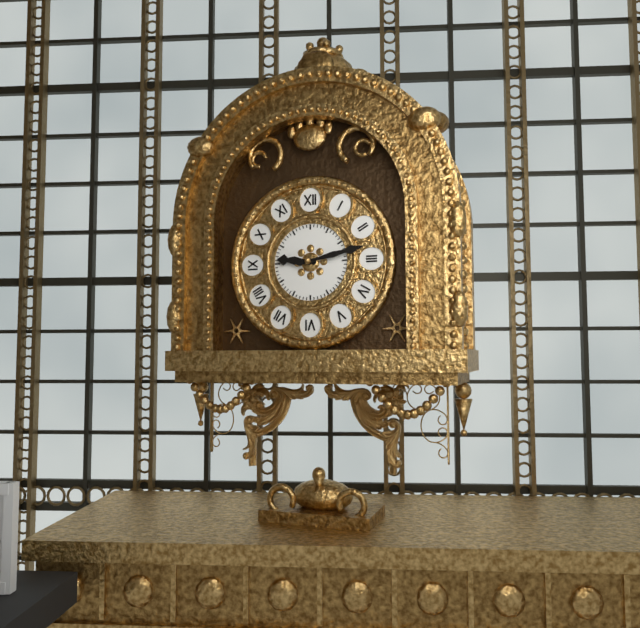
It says 9:13
